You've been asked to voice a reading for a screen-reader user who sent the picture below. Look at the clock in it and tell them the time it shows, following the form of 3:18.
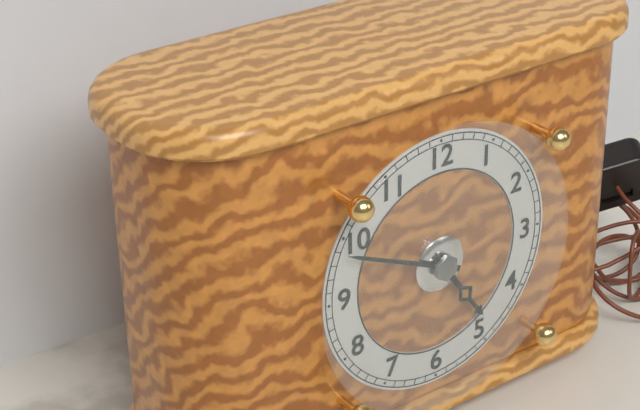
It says 4:49
